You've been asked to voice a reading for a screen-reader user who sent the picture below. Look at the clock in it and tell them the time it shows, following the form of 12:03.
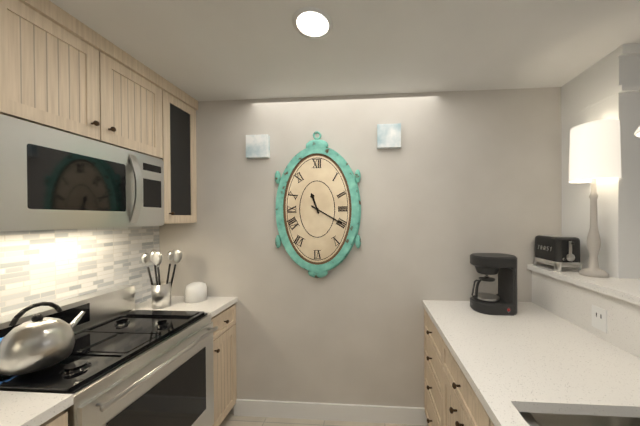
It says 11:20
